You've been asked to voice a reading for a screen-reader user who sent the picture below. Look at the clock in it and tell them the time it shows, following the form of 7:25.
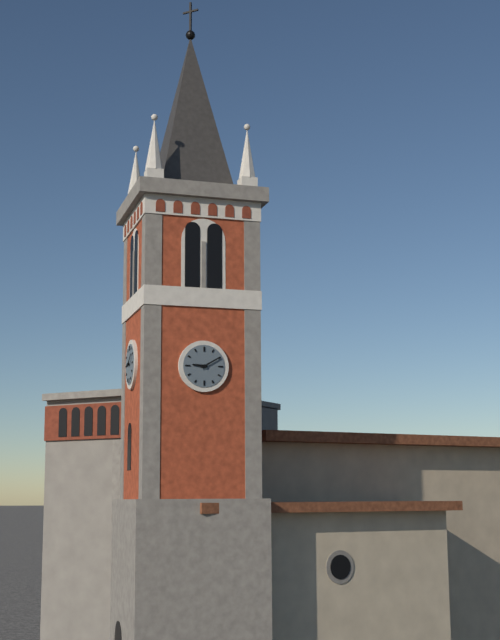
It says 9:10
